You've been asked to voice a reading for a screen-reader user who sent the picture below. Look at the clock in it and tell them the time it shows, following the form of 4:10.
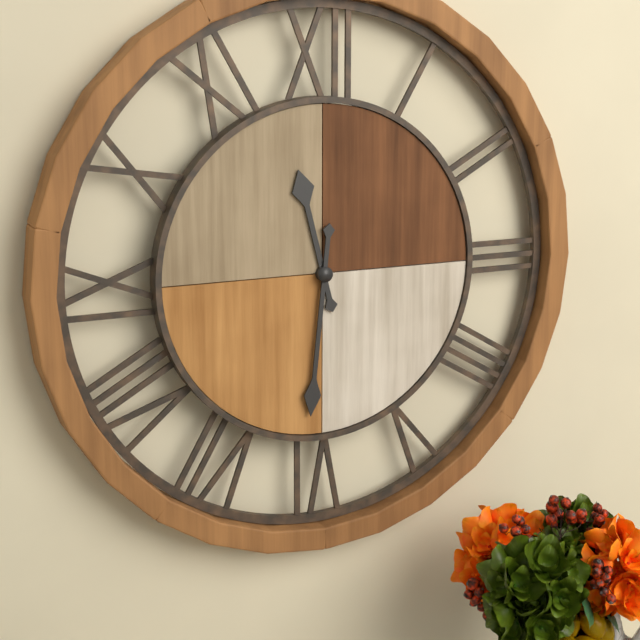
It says 11:31
